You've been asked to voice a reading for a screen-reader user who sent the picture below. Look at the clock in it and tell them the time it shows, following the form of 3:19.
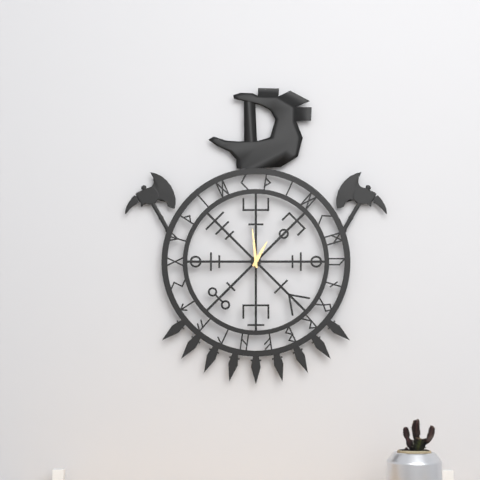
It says 12:59
